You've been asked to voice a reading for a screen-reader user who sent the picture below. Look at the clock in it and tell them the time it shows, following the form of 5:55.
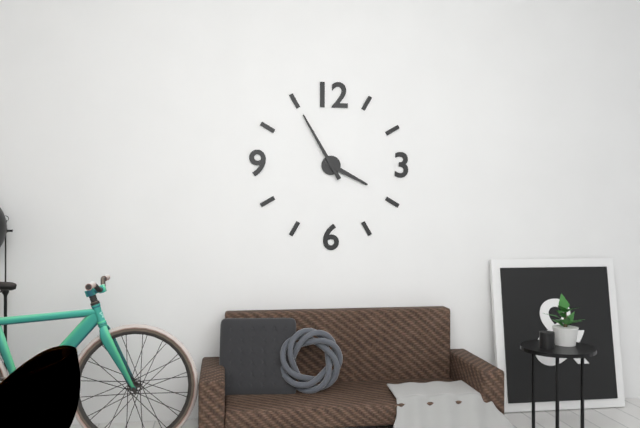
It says 3:55
